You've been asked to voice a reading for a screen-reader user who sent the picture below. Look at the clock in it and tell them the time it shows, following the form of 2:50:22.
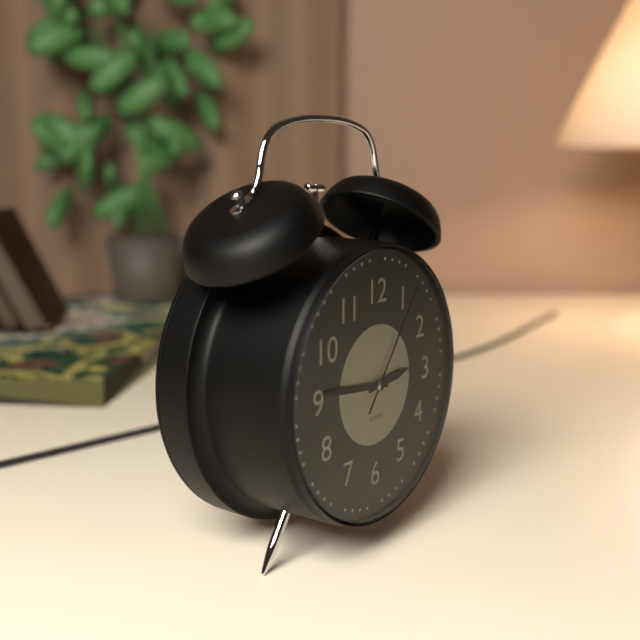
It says 2:46:06
